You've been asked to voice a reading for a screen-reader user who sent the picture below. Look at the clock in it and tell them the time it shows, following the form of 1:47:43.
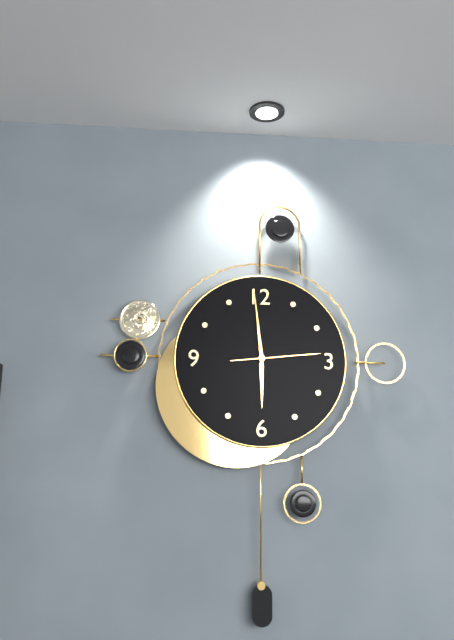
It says 5:59:14
